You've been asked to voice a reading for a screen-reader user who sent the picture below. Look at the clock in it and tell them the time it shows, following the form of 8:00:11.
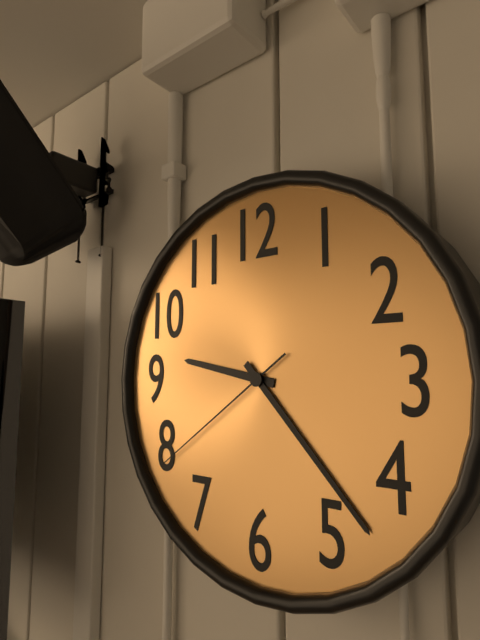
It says 9:23:39
